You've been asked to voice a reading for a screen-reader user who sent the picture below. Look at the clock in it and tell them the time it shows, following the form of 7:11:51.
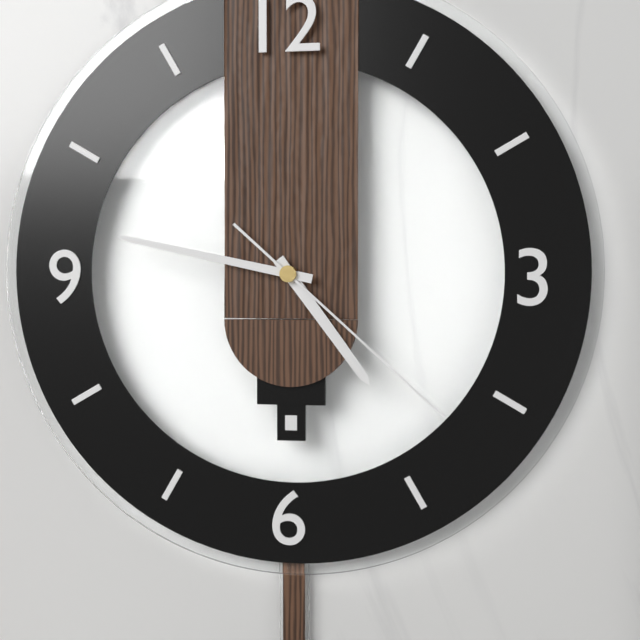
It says 4:47:22
